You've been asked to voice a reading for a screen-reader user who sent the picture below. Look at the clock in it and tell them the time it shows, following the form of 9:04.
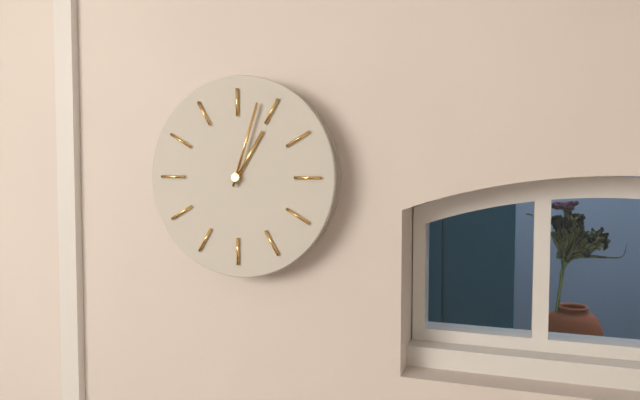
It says 1:03
